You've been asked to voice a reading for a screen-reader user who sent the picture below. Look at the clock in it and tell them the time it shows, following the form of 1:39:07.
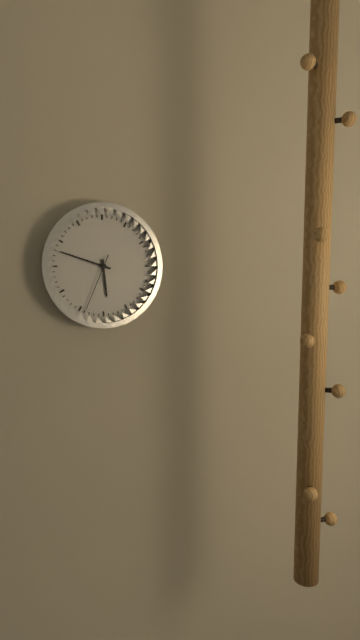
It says 5:48:34
